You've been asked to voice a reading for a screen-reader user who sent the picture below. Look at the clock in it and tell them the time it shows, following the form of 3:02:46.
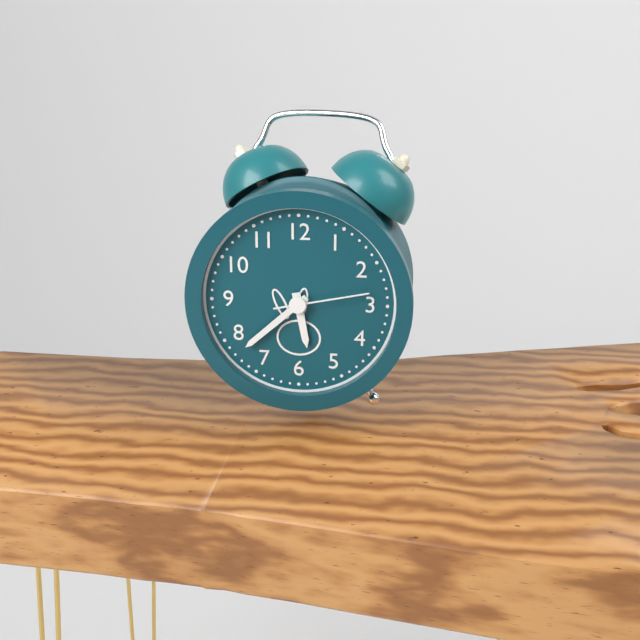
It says 5:38:13
